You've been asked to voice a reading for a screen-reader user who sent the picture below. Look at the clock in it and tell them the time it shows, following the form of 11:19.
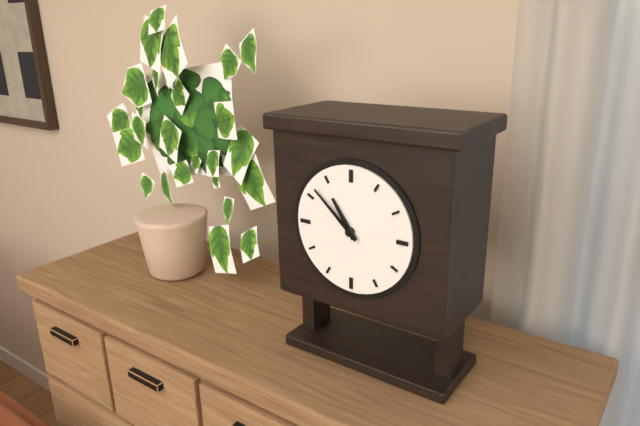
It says 10:52
